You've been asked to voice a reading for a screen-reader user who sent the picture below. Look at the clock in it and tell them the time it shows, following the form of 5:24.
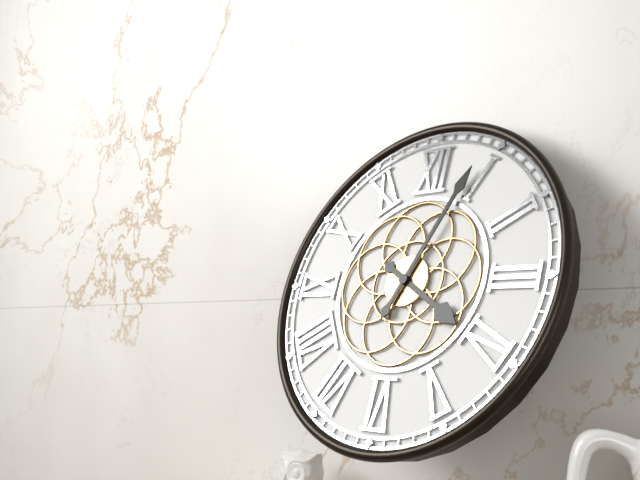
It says 4:04
